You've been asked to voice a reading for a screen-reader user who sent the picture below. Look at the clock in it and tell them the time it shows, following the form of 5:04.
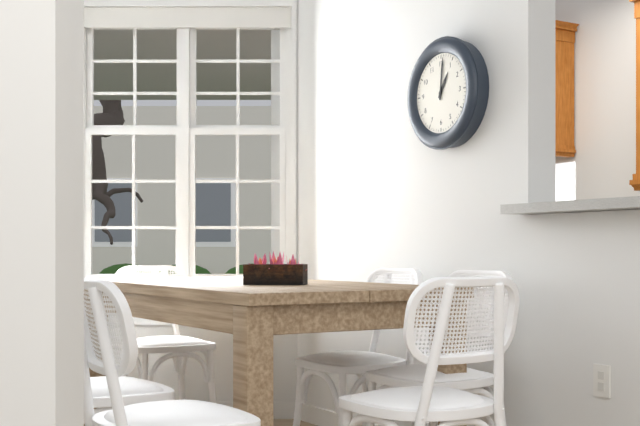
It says 1:01
